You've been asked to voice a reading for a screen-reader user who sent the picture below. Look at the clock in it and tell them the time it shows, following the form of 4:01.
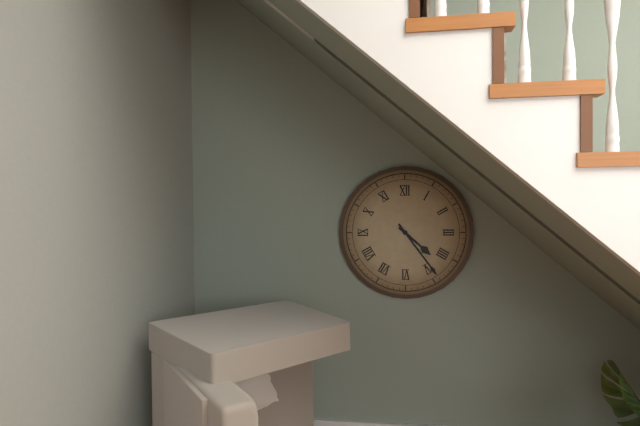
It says 4:24
